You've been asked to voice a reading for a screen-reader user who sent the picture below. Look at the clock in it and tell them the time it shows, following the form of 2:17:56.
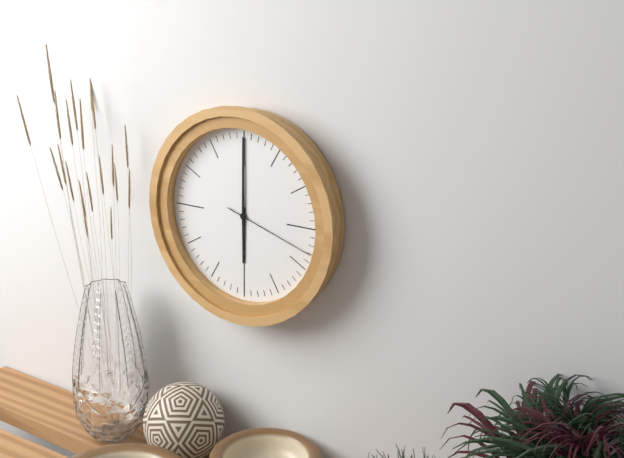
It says 6:00:18
